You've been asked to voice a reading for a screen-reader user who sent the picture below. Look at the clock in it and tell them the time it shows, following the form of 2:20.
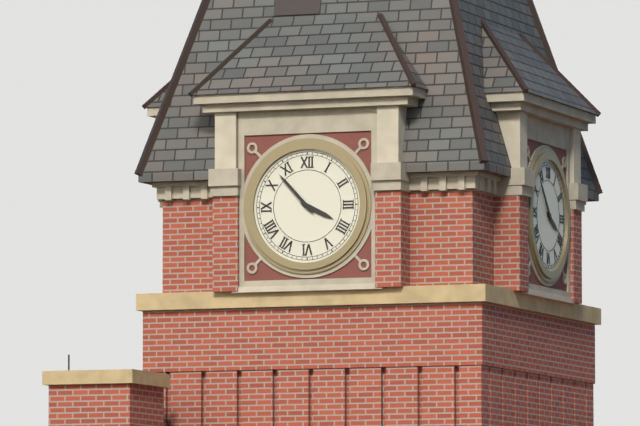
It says 3:53
